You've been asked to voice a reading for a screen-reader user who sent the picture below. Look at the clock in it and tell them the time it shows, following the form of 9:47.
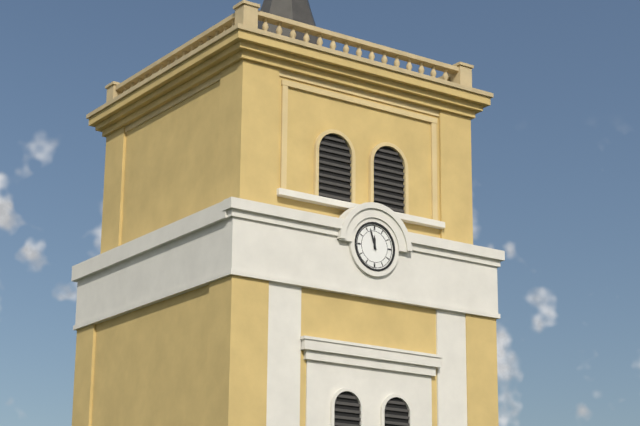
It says 11:57
